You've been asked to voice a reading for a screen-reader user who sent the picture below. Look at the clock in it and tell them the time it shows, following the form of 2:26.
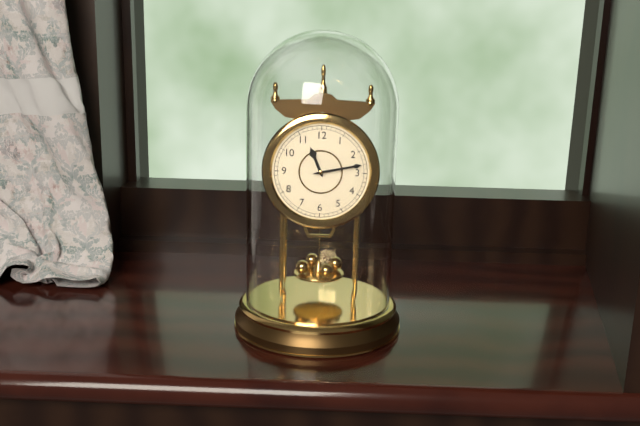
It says 11:13
